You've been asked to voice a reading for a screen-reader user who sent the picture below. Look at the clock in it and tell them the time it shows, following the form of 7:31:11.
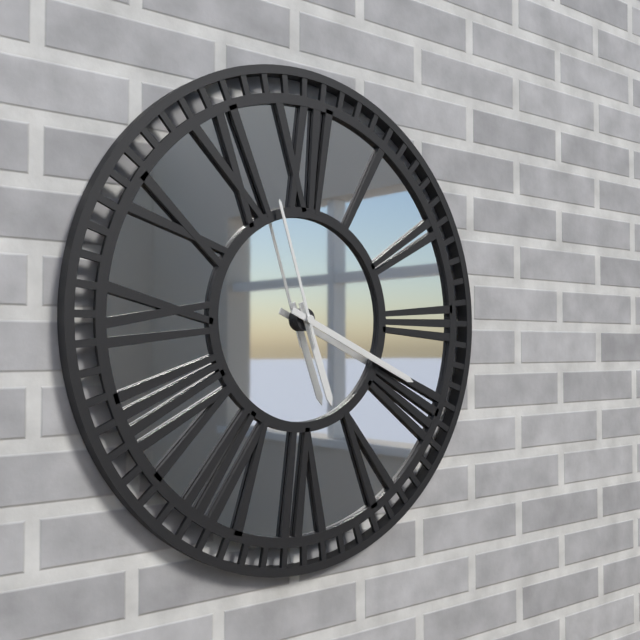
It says 5:19:57
